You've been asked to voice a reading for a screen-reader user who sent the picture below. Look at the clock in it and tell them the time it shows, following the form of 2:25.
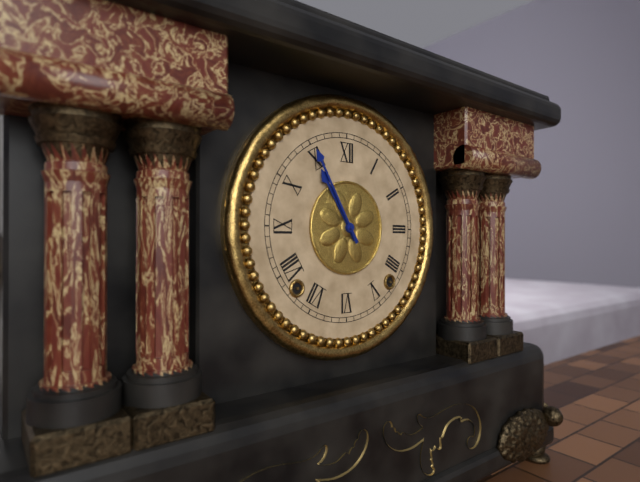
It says 10:55
